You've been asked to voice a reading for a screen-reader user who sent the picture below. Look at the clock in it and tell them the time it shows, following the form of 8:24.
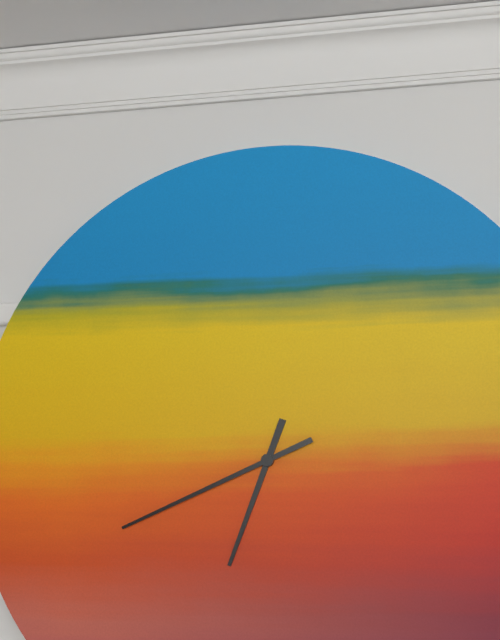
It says 6:41
